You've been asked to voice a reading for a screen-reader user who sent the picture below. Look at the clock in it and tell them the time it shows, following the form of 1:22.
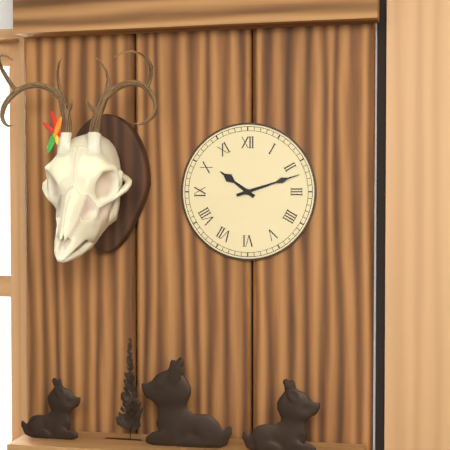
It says 10:12
